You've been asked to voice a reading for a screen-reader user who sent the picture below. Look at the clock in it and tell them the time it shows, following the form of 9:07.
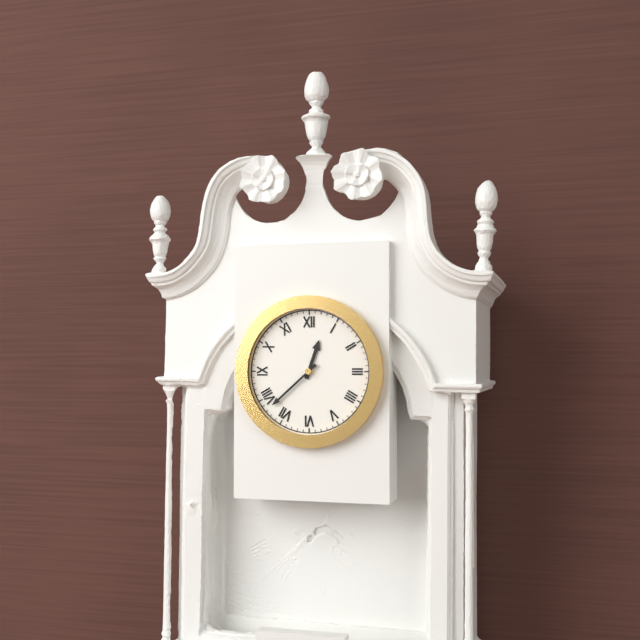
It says 12:38
